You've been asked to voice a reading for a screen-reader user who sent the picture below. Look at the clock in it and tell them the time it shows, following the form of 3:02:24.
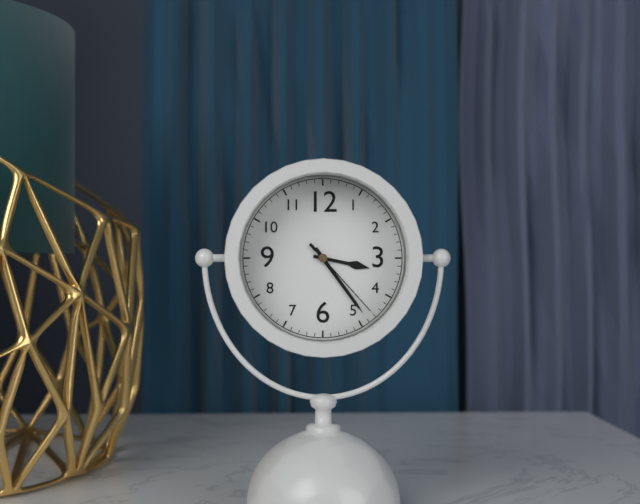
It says 3:24:23
